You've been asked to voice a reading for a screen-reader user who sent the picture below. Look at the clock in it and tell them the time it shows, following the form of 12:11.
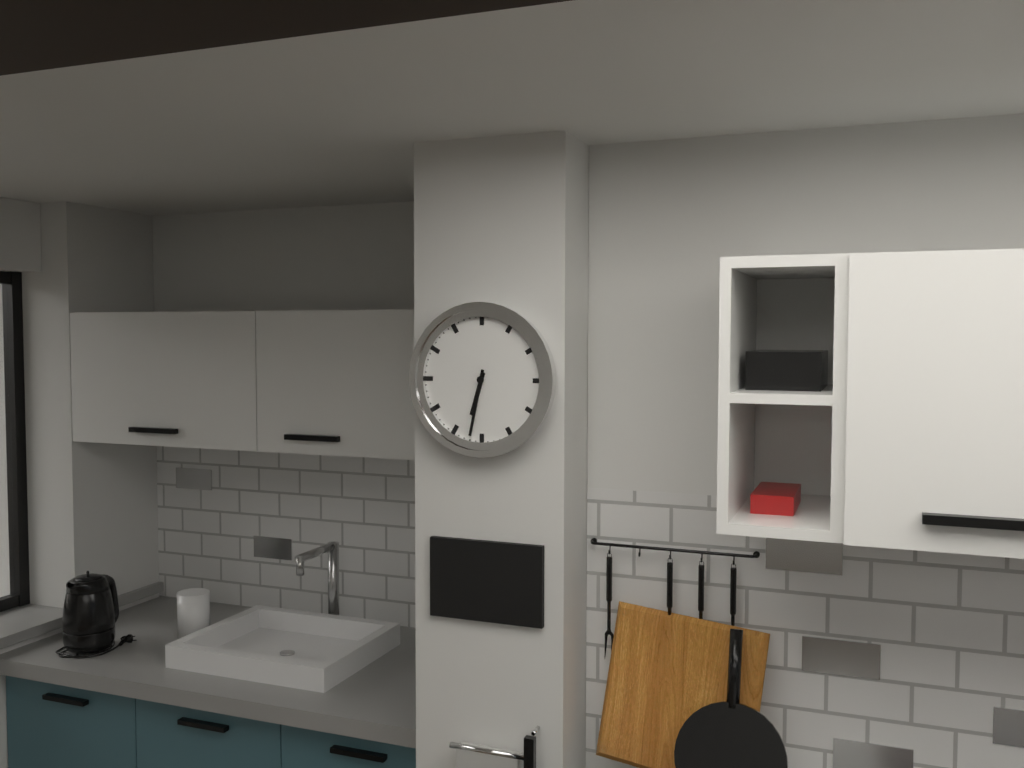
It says 6:32
